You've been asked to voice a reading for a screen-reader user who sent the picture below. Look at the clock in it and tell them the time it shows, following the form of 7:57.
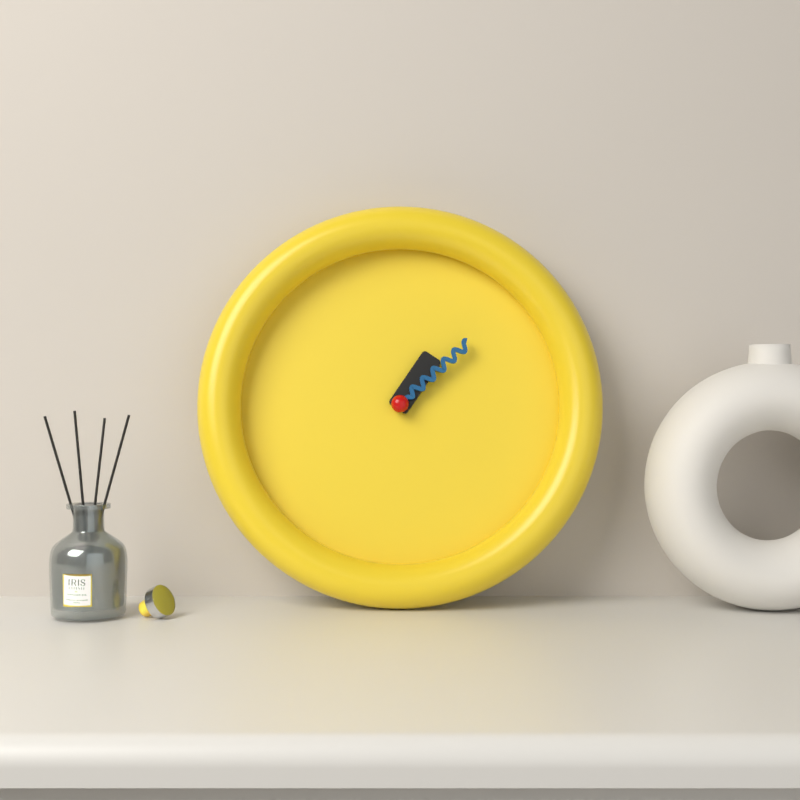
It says 1:08
